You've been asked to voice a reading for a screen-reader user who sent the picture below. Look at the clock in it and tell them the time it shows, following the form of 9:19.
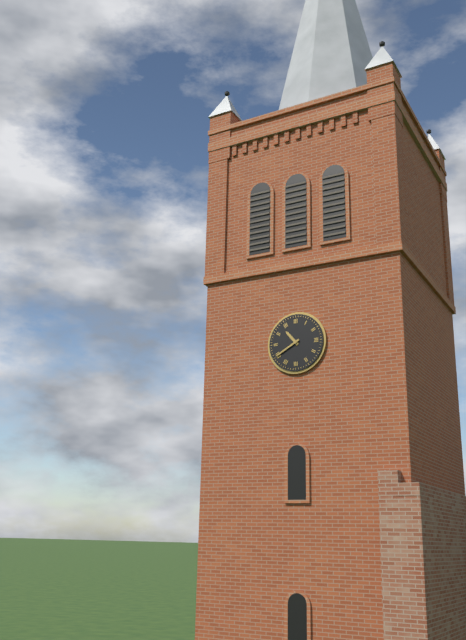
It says 10:40
